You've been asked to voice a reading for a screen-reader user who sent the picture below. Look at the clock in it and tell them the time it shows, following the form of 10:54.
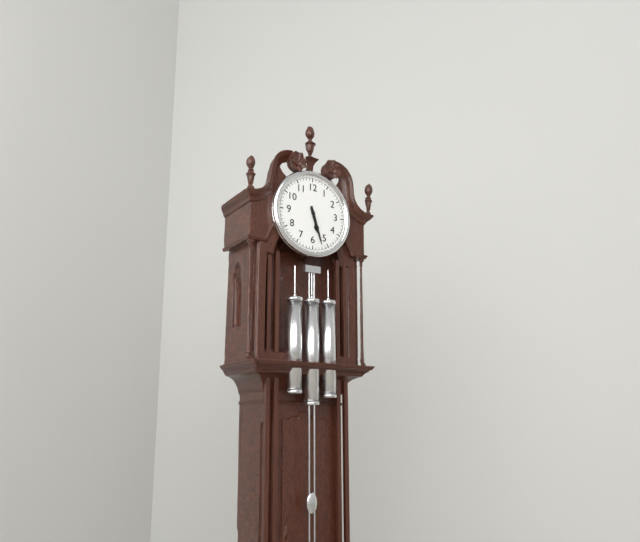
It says 5:27
